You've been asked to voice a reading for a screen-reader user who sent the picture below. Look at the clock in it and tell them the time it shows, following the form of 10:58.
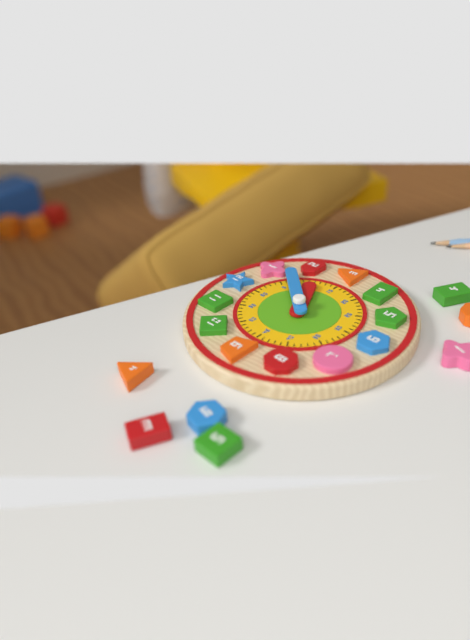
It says 2:07
